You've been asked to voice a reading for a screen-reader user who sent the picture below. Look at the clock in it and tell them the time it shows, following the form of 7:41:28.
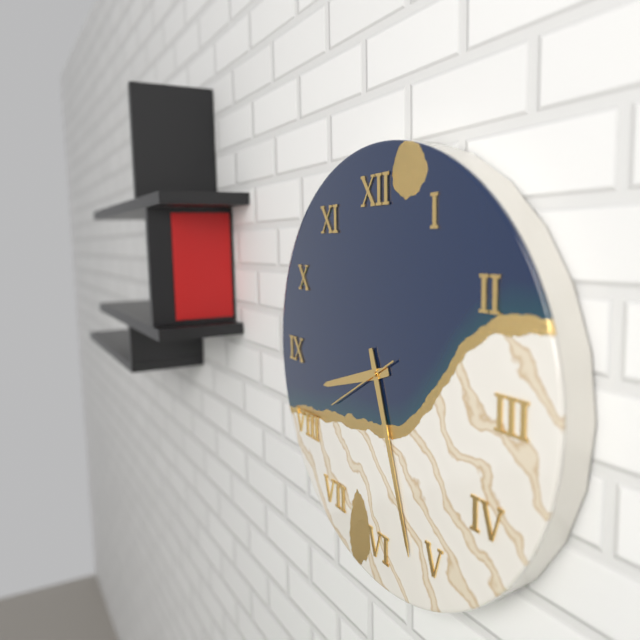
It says 8:27:40
